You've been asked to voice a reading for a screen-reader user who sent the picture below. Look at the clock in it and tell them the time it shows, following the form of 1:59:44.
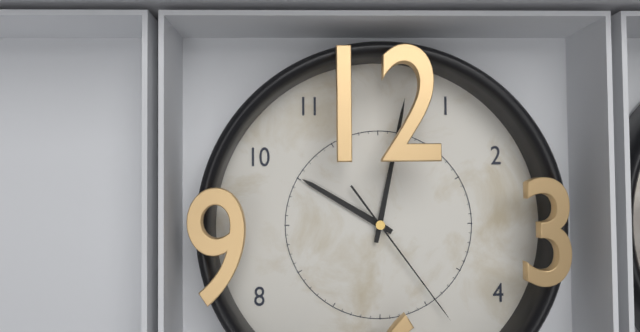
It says 10:02:24
